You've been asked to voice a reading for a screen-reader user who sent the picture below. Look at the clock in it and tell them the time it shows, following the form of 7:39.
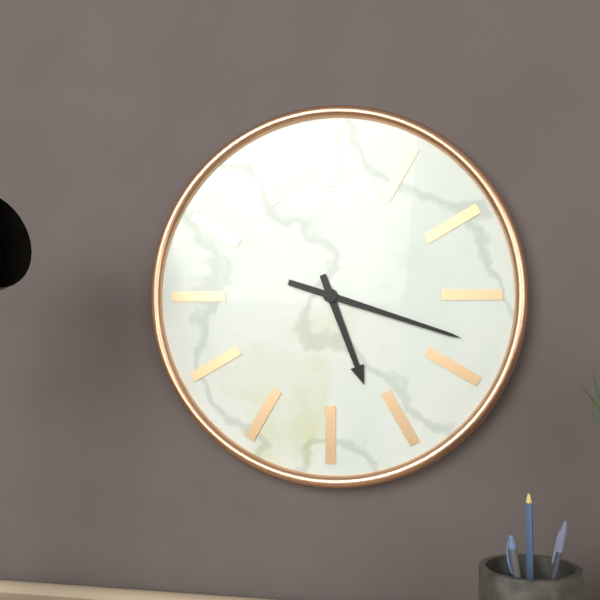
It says 5:18
